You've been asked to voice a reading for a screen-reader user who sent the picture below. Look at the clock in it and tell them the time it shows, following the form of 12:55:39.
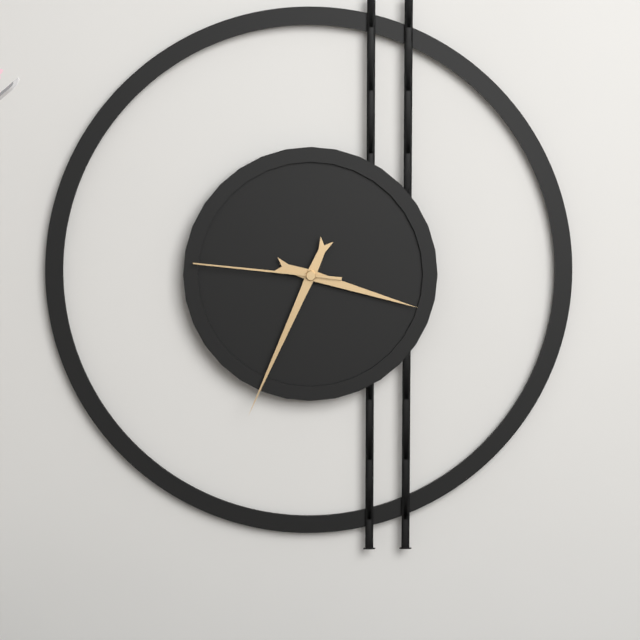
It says 3:34:46
